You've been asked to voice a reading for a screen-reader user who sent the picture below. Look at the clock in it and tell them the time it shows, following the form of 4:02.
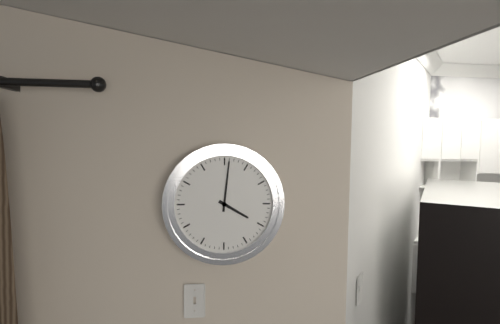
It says 4:01
